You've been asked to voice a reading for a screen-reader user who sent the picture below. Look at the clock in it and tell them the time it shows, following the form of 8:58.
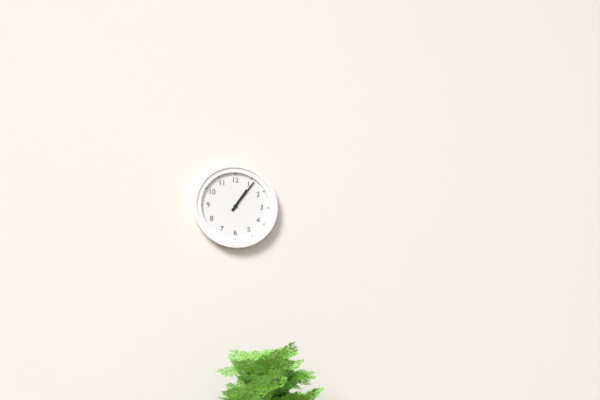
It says 1:06
